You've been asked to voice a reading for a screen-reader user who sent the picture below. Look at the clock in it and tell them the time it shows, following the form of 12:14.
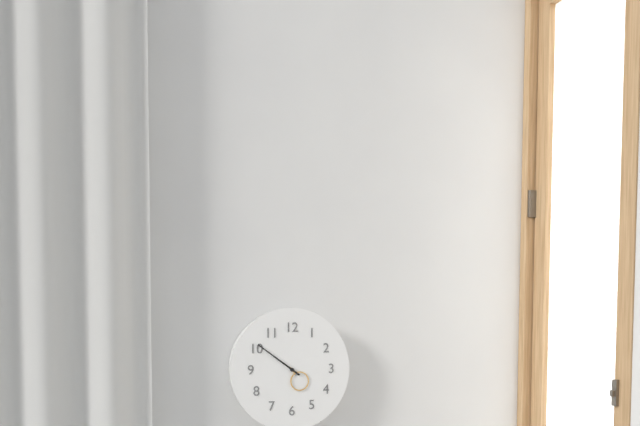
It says 4:51
